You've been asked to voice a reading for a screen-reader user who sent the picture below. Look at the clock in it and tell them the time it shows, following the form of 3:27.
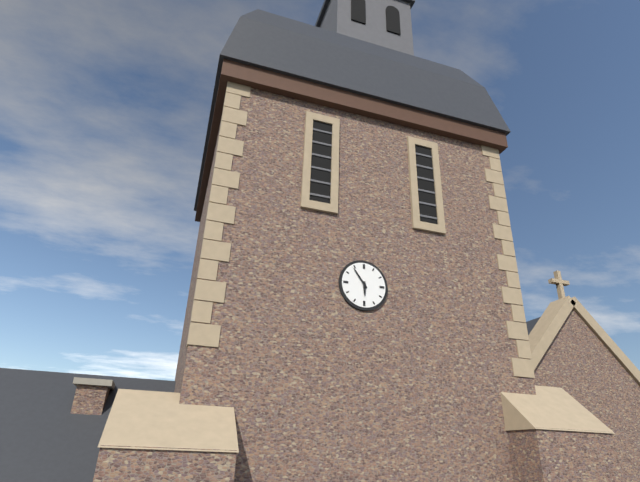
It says 5:54
